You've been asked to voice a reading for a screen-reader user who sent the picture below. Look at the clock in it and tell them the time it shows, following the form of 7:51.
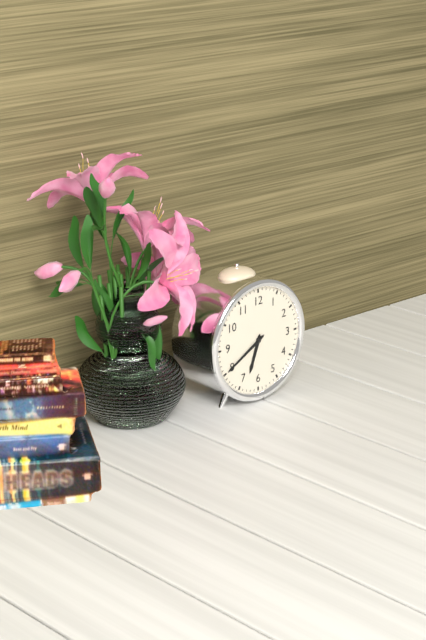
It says 6:40
